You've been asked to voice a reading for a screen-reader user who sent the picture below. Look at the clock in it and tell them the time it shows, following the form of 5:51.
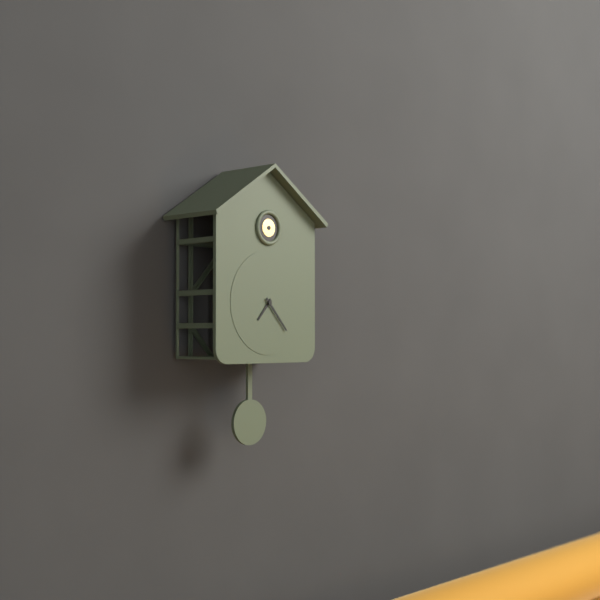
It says 7:23
